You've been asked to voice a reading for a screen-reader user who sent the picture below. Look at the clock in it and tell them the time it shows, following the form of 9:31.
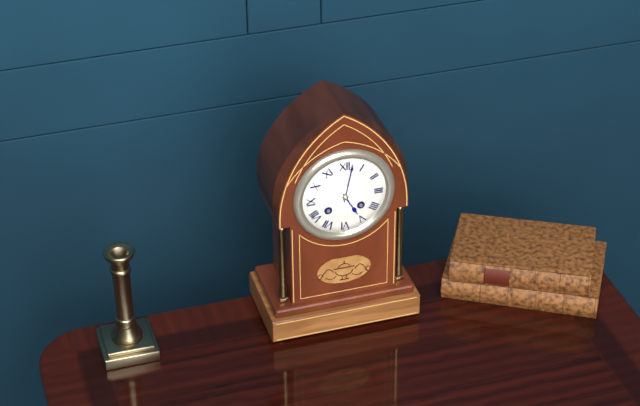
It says 5:02
